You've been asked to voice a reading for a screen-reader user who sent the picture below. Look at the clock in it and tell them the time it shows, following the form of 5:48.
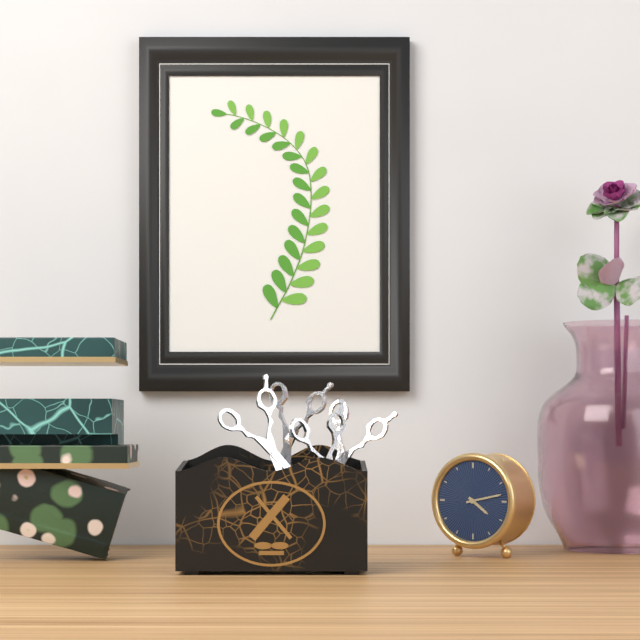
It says 4:13
